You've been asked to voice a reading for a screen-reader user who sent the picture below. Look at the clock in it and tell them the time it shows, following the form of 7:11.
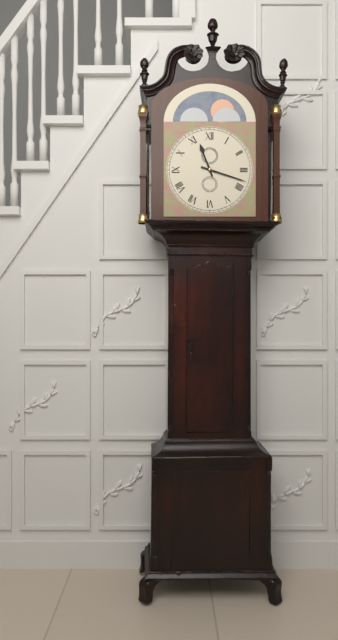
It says 11:18
